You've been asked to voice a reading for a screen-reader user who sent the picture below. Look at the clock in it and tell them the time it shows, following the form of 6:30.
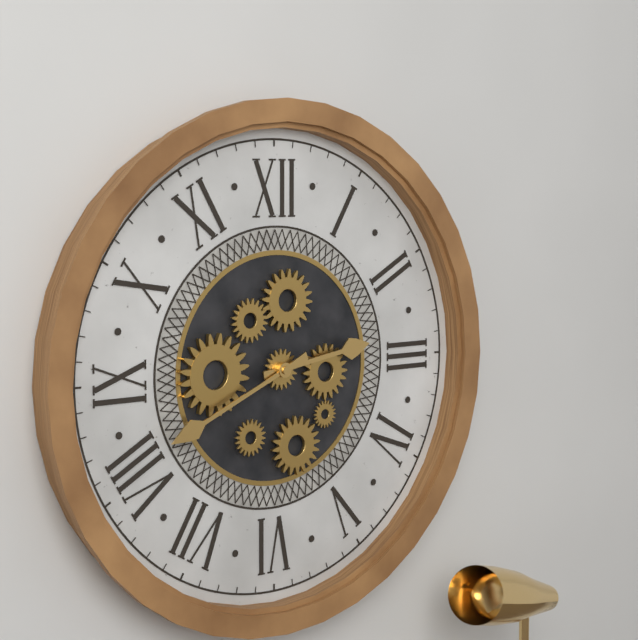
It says 2:41
